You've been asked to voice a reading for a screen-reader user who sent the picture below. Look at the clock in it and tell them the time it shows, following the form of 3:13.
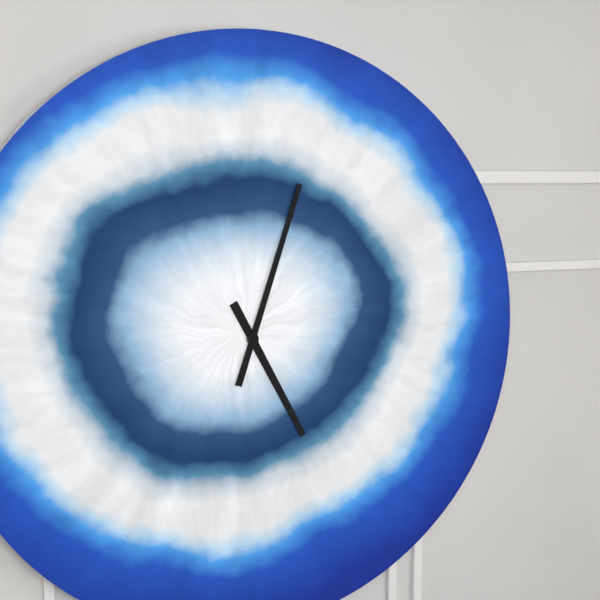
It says 5:03
